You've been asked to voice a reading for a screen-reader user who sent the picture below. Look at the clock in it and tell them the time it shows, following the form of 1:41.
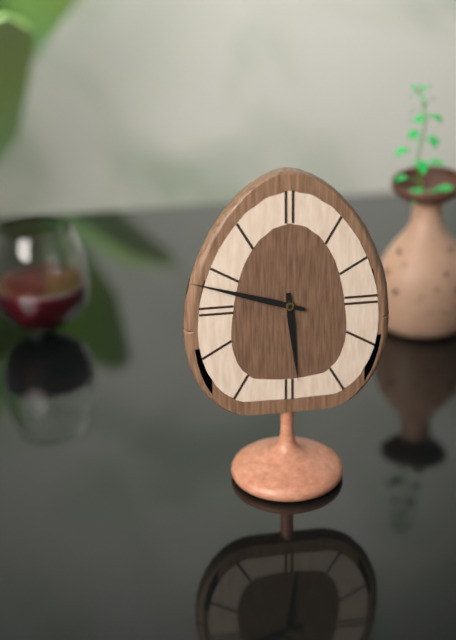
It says 5:48
